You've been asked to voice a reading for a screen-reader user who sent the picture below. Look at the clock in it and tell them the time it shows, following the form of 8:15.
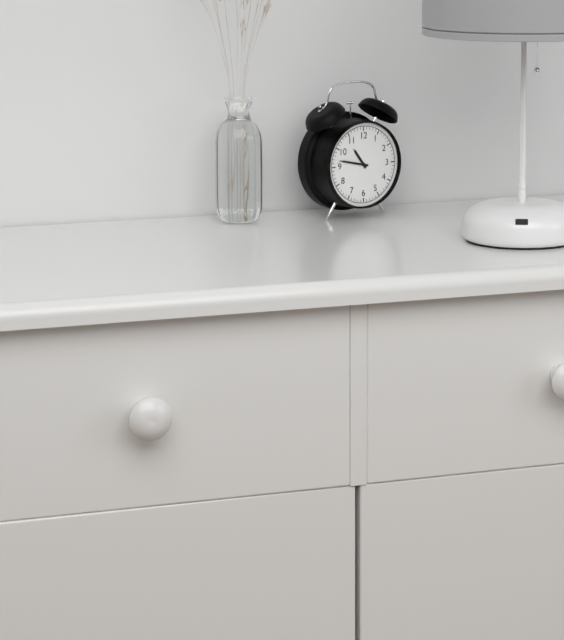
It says 10:47
